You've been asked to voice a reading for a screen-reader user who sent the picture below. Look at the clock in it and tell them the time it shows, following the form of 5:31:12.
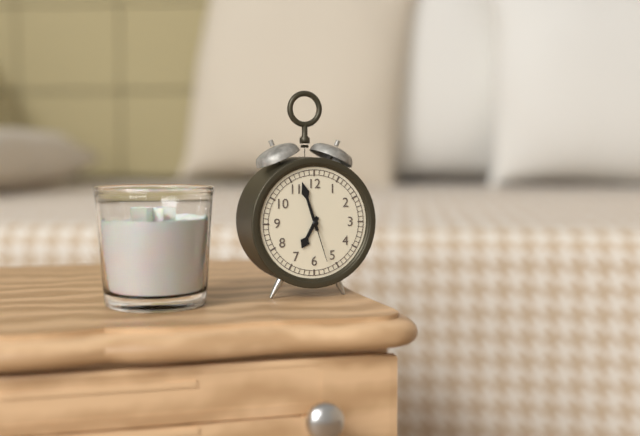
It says 6:57:27
